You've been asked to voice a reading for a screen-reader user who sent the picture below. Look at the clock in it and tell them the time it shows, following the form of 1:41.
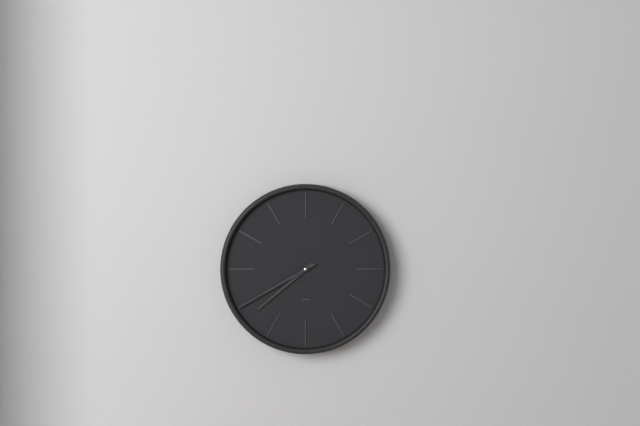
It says 7:40
